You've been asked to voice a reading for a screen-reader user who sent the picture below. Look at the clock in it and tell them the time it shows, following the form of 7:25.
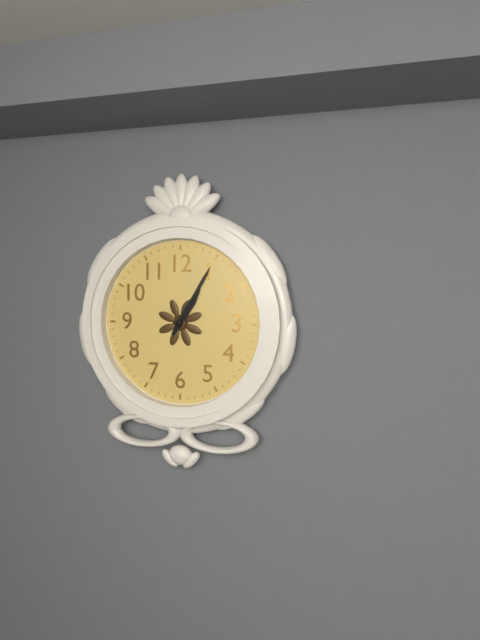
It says 1:05
